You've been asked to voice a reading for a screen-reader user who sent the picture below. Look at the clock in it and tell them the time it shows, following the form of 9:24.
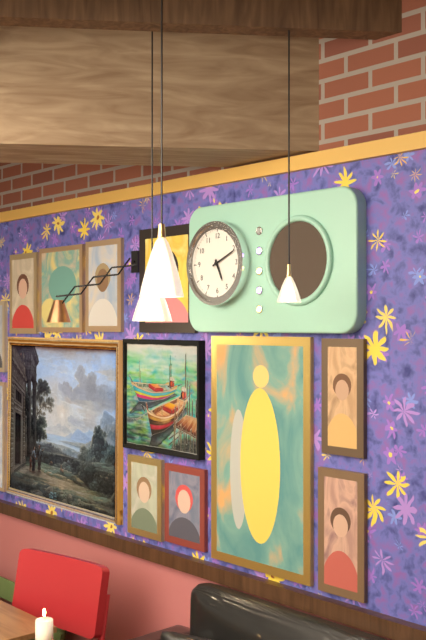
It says 5:11
